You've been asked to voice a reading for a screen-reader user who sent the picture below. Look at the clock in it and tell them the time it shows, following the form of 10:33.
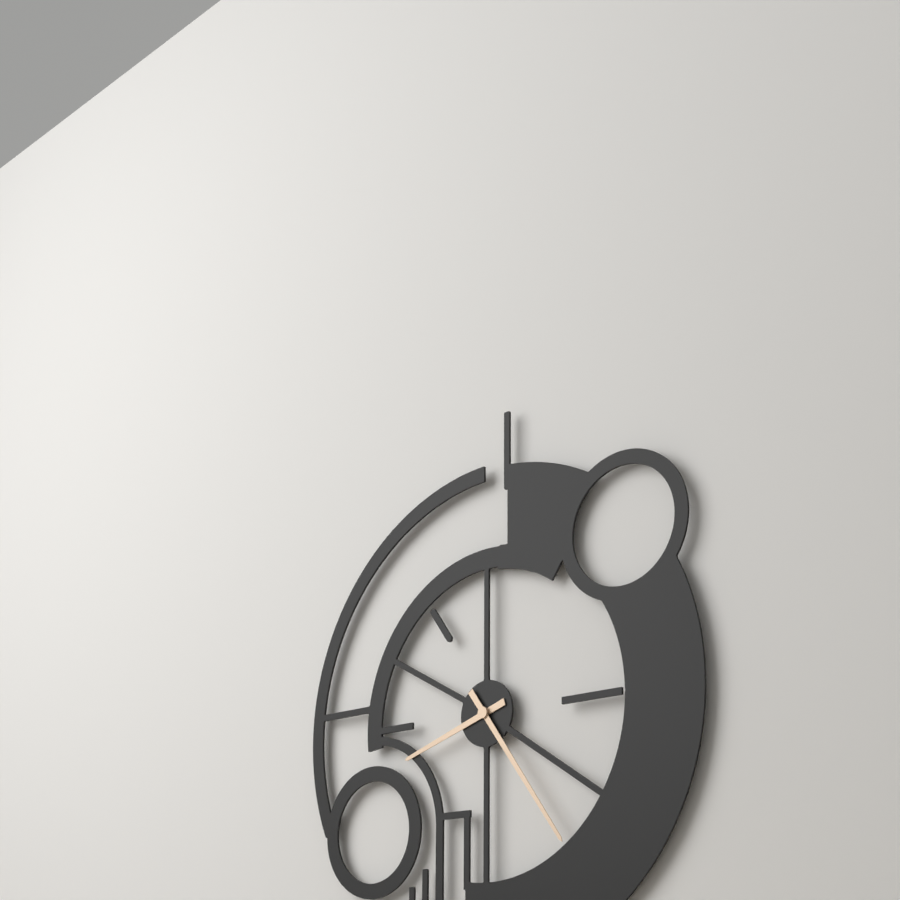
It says 8:24
